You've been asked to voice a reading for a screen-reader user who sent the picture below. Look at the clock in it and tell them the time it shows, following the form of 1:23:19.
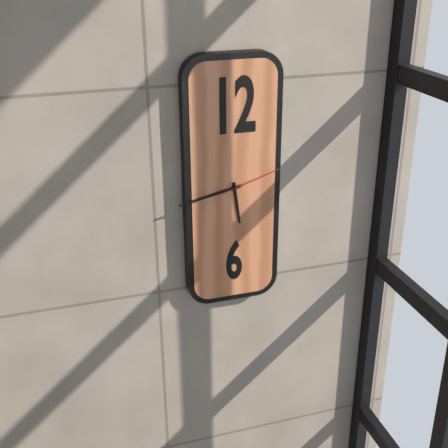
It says 5:43:12
